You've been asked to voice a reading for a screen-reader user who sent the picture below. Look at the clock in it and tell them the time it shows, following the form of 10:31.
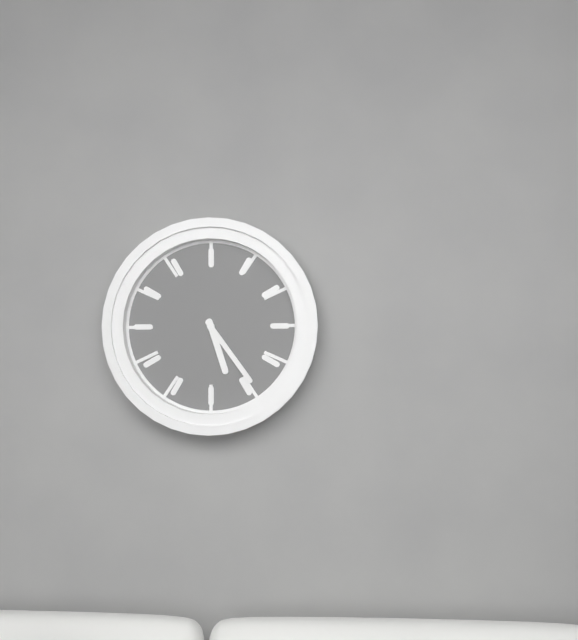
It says 5:24
